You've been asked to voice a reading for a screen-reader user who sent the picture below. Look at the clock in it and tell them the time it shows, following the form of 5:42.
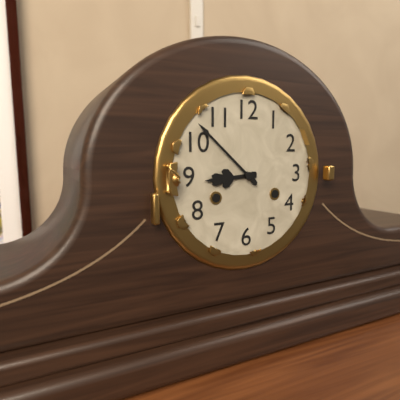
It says 8:52
